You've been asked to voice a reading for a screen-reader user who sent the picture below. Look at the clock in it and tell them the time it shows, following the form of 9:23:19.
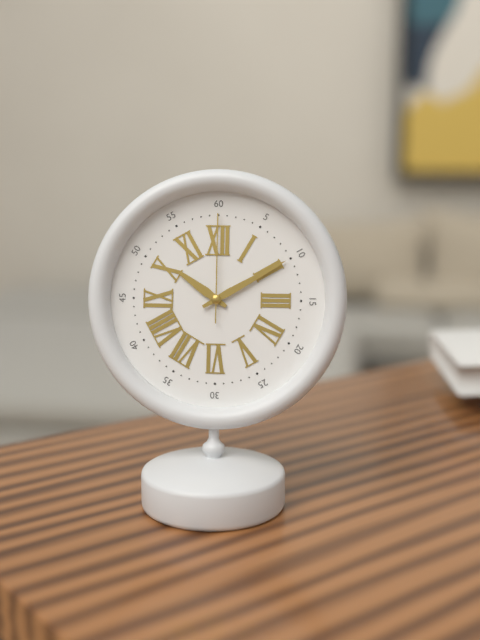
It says 10:10:00
